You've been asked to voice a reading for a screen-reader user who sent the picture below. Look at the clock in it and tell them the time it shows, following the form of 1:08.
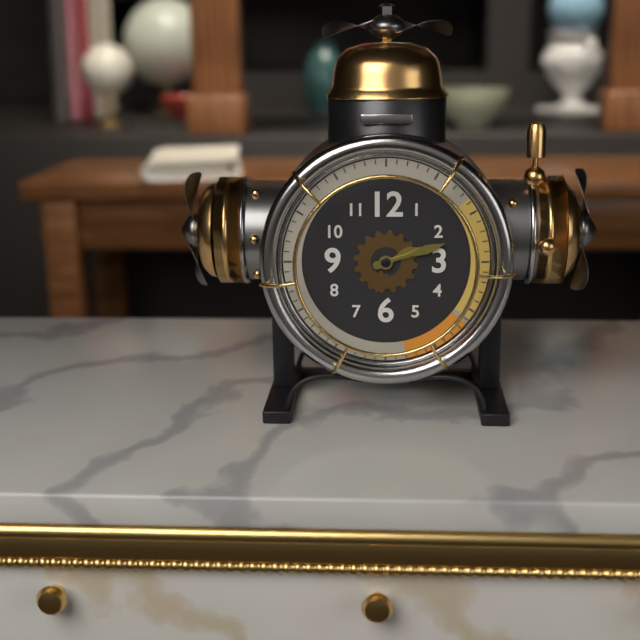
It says 2:12
